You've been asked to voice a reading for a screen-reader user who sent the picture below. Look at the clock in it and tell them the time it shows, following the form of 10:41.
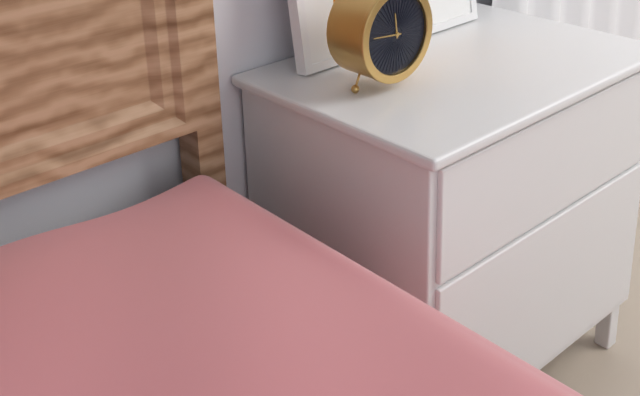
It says 11:46
